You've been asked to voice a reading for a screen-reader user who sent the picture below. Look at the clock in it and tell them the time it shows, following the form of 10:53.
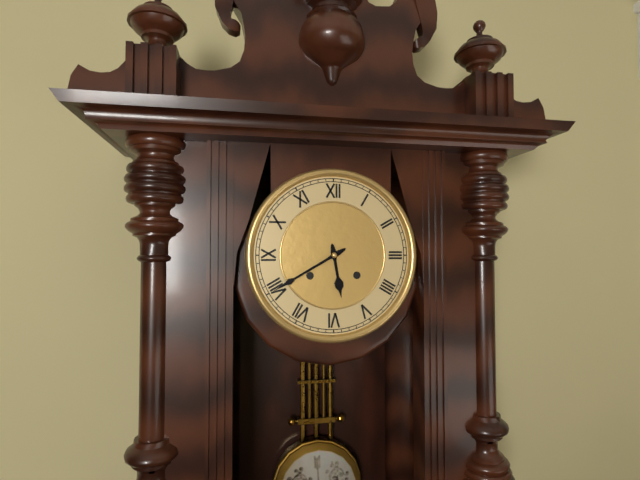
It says 5:40
